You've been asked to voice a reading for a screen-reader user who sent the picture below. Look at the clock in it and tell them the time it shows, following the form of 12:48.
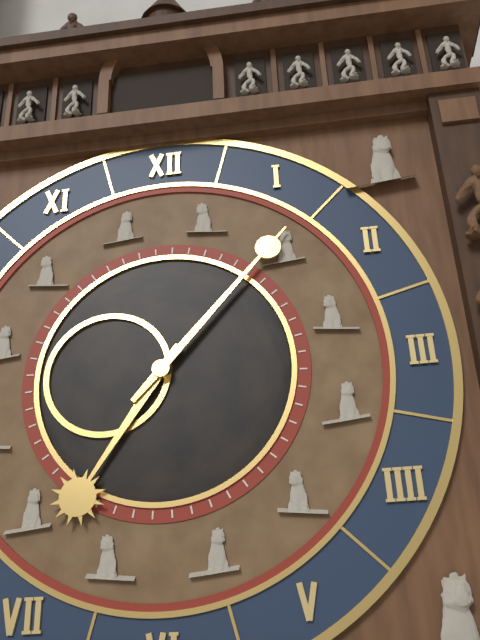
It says 7:07
